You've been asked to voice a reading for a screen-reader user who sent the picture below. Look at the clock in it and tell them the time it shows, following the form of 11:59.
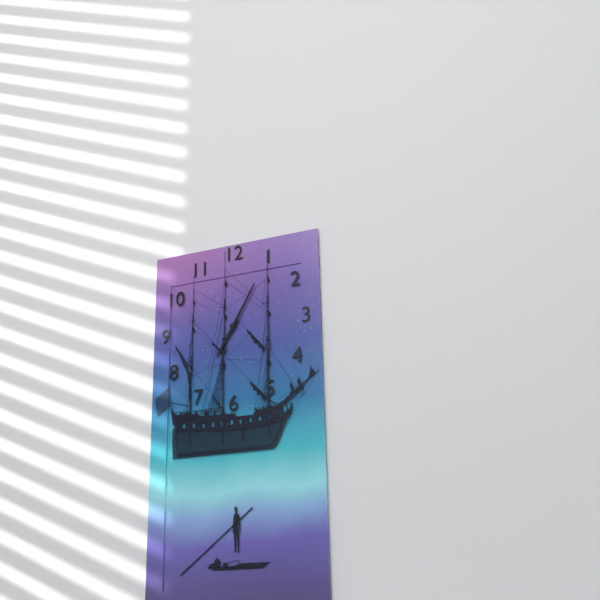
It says 7:05
